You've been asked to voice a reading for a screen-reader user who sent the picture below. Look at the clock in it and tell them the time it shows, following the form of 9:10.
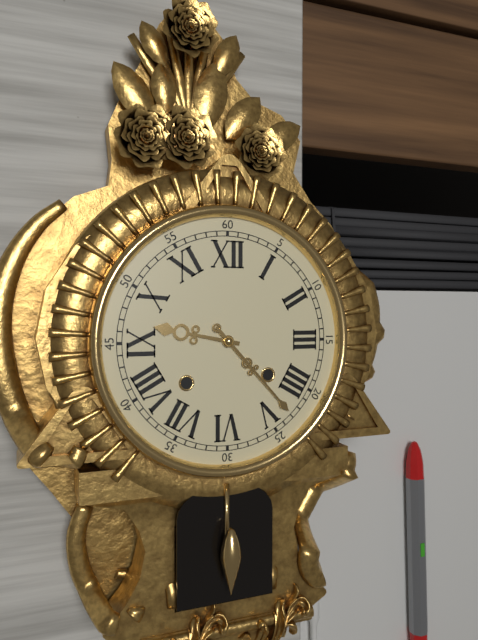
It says 9:23
